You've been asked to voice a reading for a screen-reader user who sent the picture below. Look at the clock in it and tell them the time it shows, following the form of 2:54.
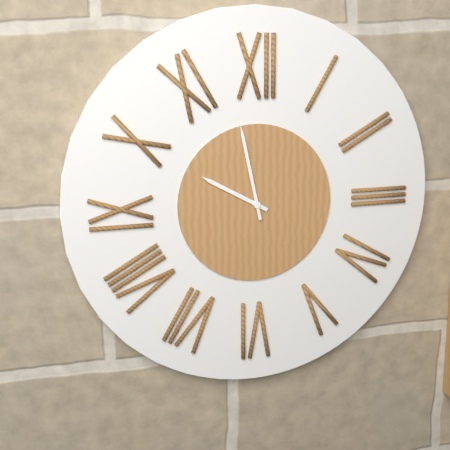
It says 9:58
